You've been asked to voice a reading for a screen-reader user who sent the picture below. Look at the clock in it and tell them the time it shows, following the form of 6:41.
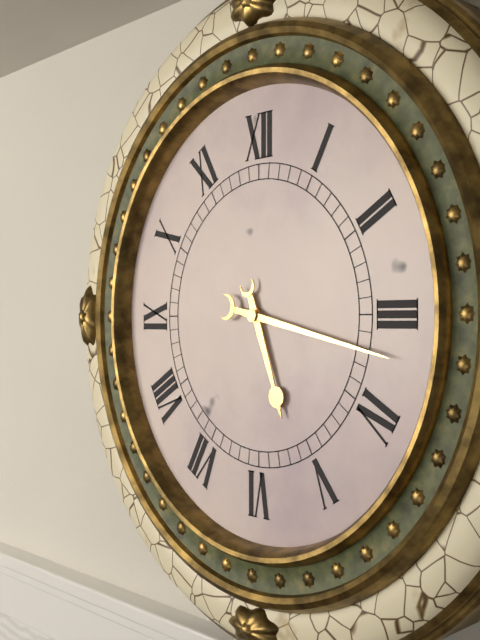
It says 5:17
